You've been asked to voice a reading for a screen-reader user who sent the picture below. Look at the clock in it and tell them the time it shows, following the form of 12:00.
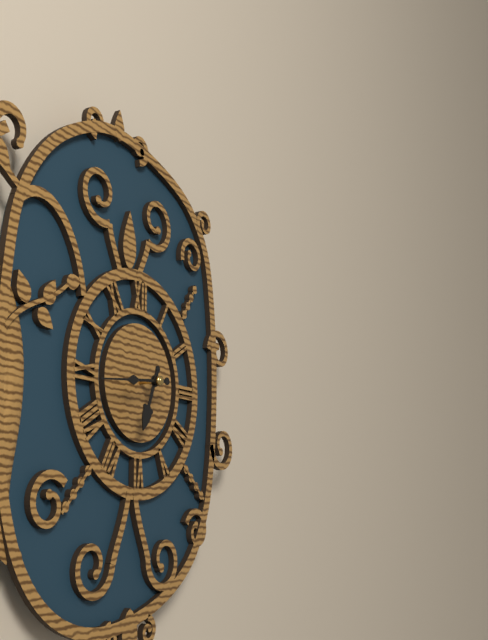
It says 6:44
